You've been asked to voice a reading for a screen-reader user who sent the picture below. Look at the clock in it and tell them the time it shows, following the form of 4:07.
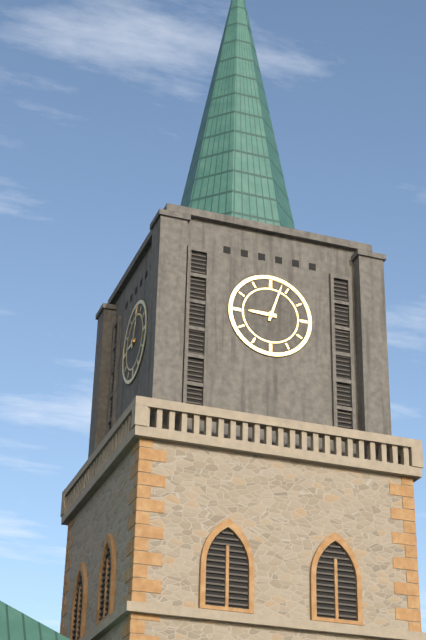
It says 9:03
